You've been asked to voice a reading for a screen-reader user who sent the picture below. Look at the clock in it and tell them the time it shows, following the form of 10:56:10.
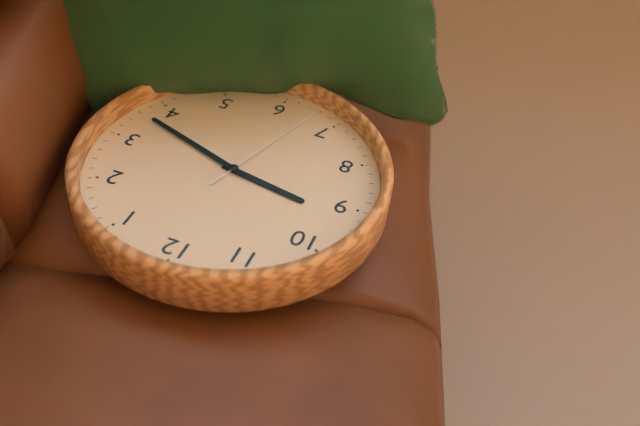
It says 9:18:33
